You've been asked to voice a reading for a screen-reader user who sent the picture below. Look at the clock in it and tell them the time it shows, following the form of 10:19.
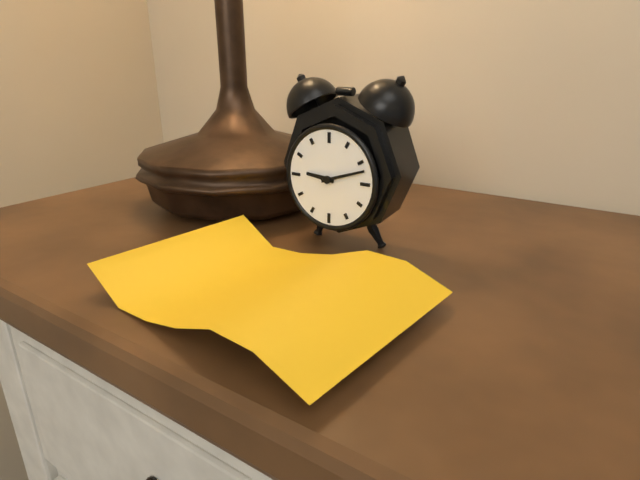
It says 9:12
